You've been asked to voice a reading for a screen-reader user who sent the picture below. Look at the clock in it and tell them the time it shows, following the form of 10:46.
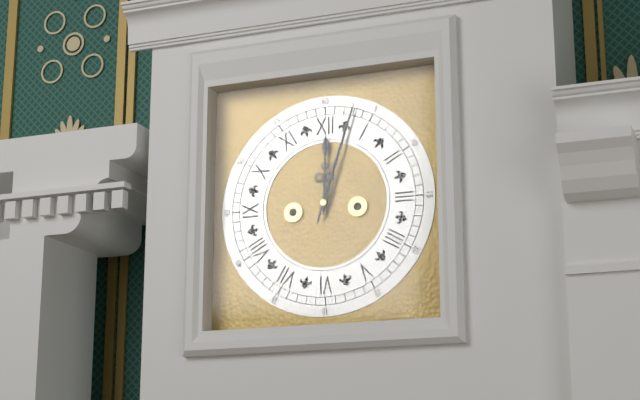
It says 12:03
